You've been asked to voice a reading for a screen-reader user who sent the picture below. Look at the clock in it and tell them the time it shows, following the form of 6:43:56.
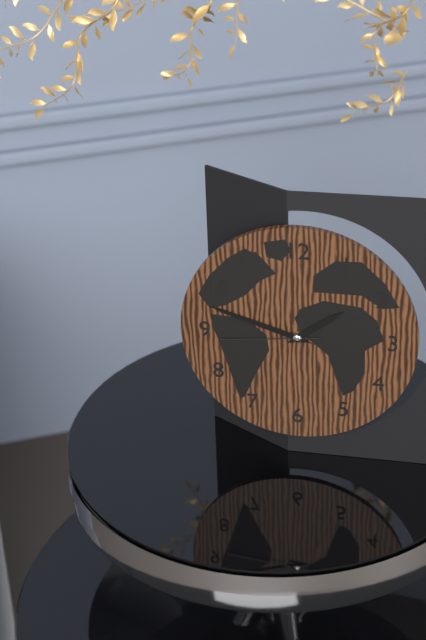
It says 1:48:44
